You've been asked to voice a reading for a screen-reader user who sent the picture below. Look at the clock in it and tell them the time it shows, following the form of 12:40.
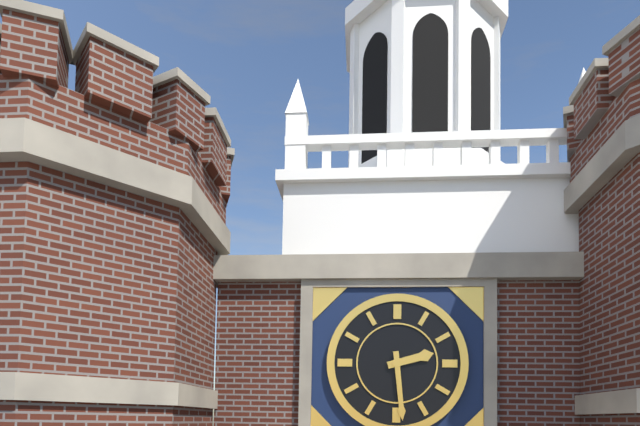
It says 2:29
